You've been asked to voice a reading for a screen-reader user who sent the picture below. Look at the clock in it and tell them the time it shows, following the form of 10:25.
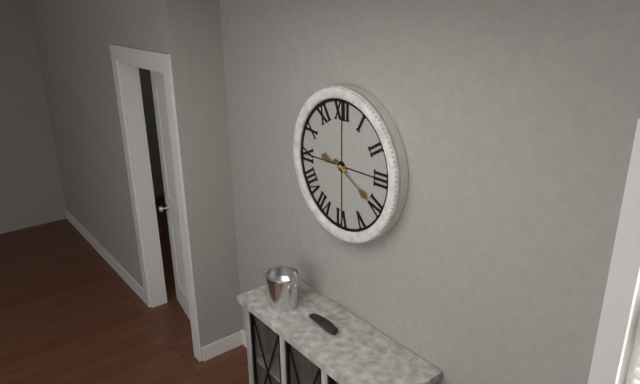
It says 9:20
